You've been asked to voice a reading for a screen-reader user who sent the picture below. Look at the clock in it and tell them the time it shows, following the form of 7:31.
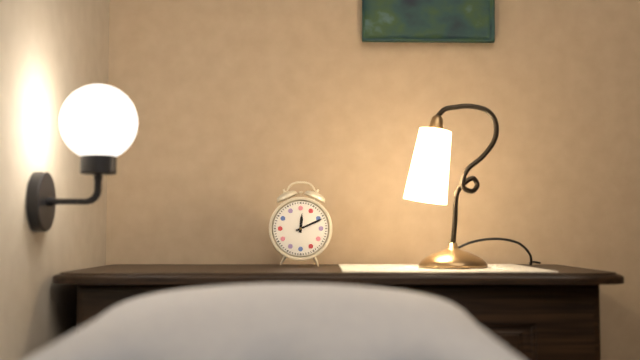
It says 12:11
